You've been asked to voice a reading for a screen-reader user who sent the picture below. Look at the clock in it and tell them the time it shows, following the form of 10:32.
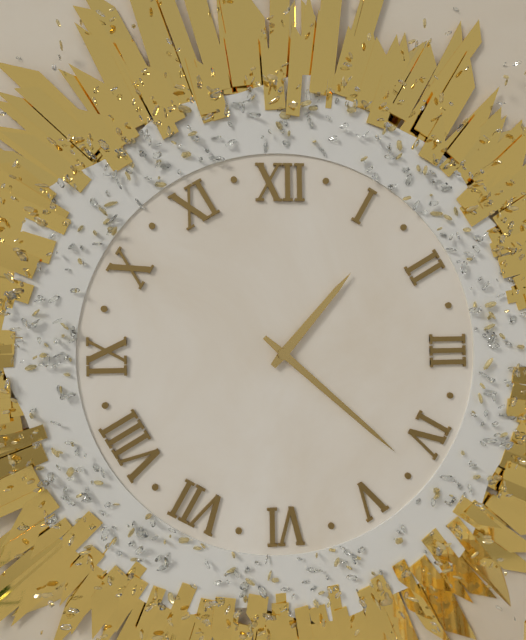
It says 1:22
